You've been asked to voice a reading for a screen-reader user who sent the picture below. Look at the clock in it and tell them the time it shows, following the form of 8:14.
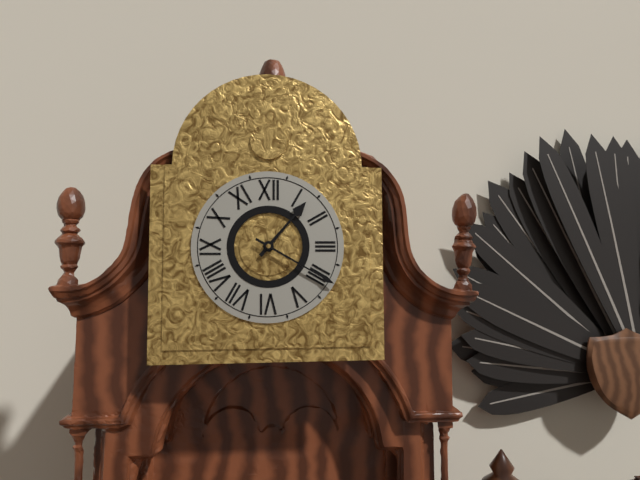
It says 1:20
